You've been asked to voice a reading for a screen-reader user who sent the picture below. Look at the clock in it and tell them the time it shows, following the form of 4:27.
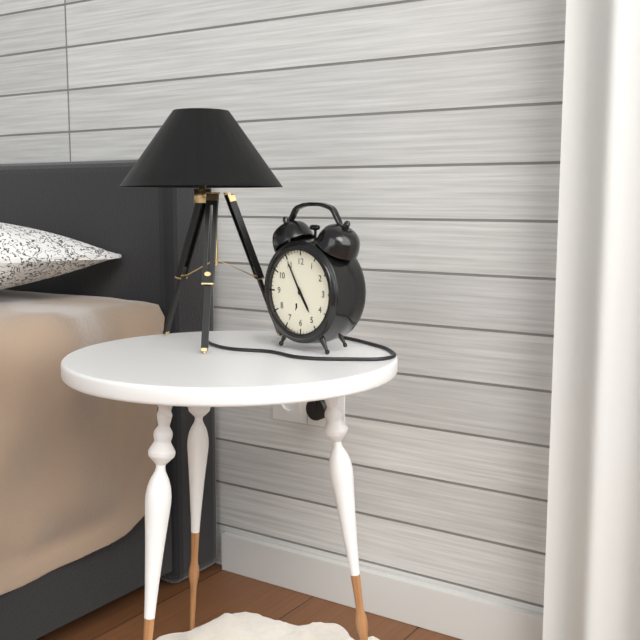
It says 4:55
